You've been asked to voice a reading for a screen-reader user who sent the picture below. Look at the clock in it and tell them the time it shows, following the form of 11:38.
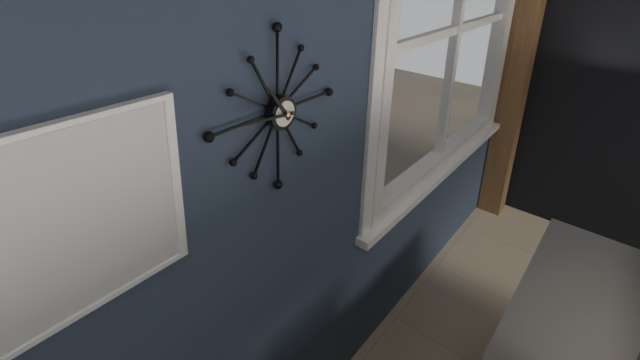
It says 10:46
